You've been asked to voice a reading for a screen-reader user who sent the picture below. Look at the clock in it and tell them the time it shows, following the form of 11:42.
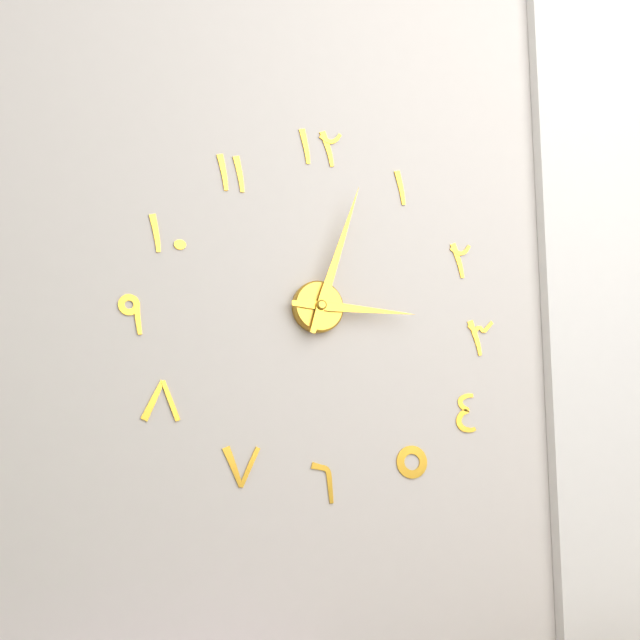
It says 3:03
